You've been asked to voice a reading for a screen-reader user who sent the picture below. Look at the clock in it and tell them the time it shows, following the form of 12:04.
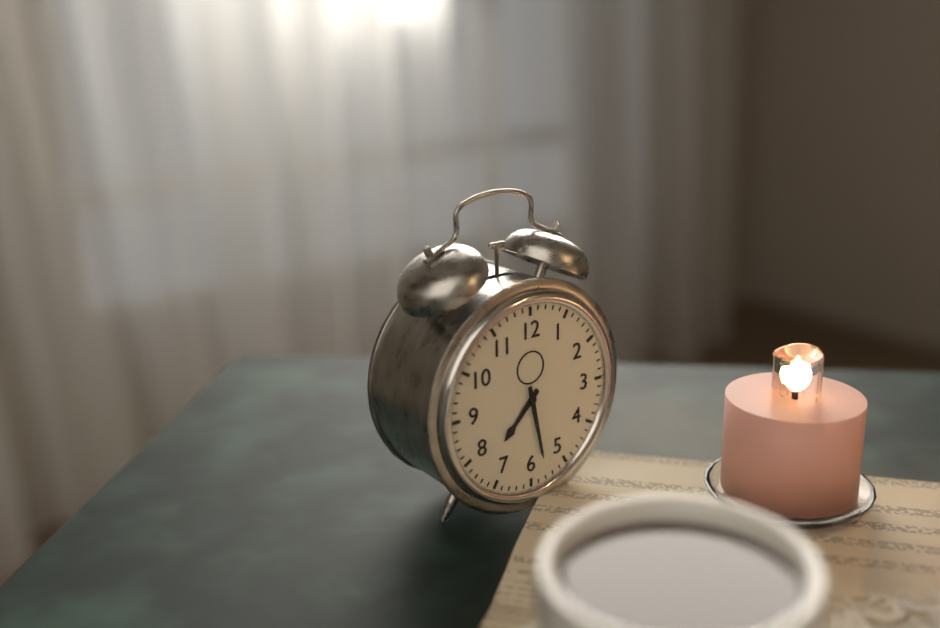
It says 7:28
